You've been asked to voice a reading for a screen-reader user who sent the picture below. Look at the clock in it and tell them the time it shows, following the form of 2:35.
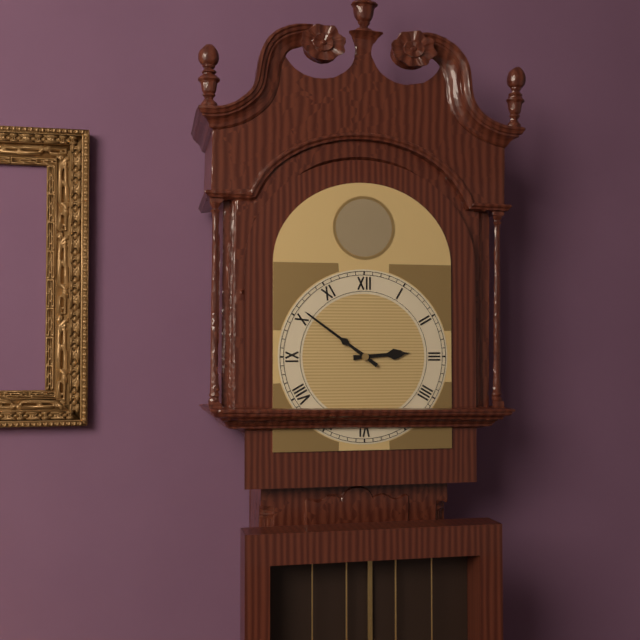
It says 2:51
